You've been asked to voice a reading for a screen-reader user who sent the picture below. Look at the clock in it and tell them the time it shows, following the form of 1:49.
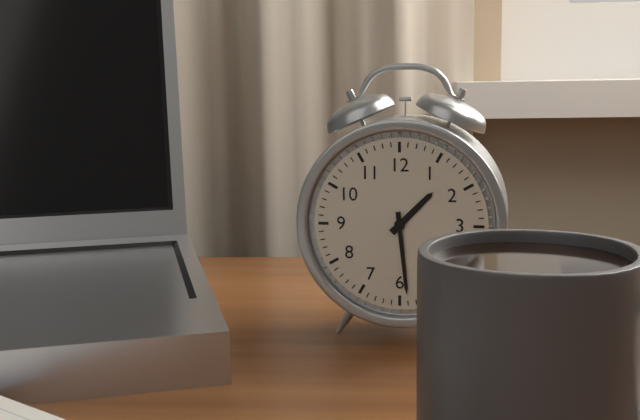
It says 1:29
